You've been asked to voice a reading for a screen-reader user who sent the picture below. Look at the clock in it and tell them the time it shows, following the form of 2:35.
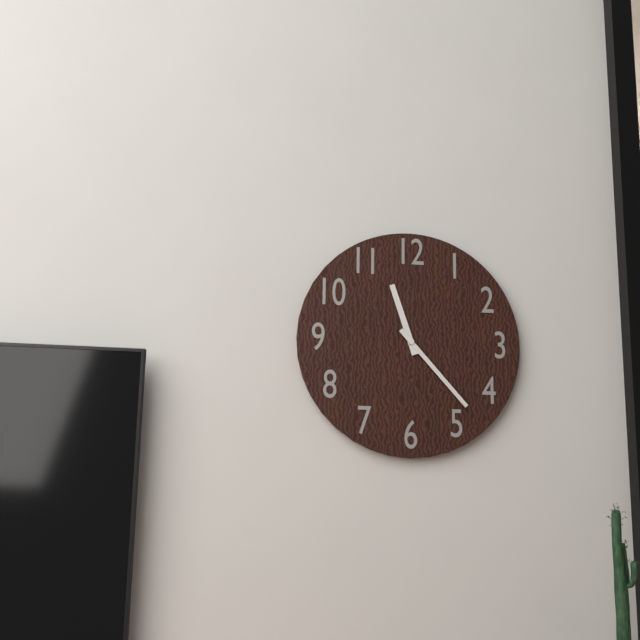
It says 11:23
